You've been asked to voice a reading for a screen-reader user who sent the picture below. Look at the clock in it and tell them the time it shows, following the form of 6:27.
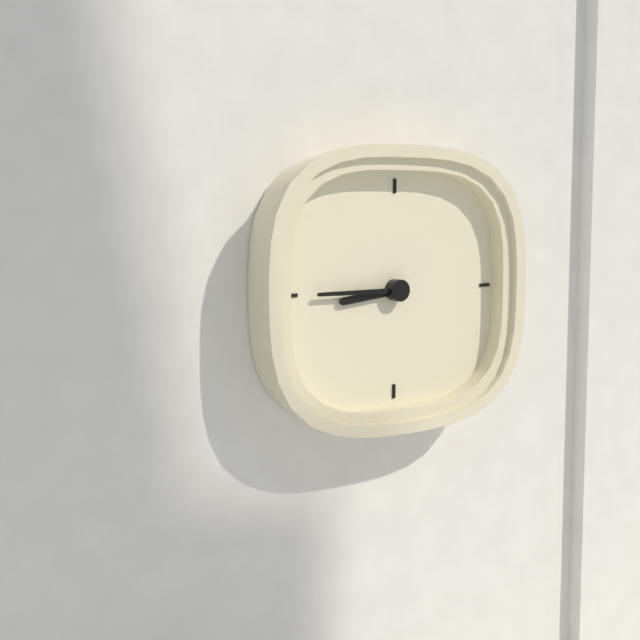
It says 8:45
